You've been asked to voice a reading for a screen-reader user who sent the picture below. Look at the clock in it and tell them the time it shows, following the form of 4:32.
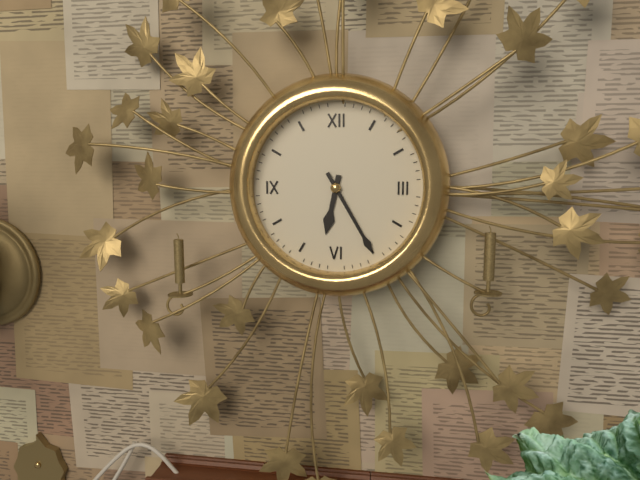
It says 6:25
